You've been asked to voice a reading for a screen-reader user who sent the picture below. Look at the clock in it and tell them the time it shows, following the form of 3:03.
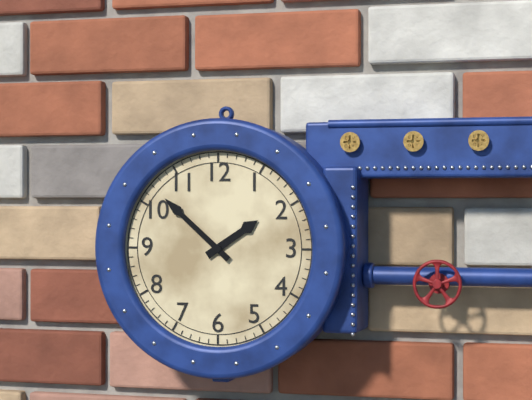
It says 1:52
